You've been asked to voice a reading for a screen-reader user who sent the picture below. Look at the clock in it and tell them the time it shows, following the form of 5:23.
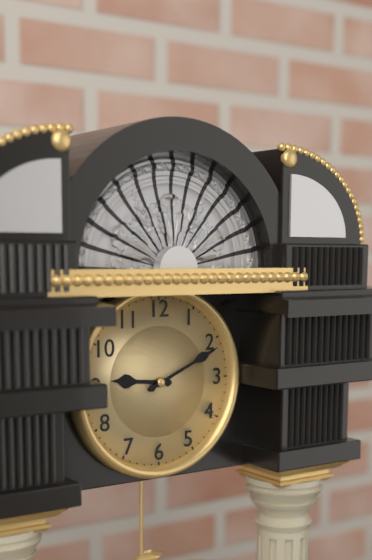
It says 9:11
